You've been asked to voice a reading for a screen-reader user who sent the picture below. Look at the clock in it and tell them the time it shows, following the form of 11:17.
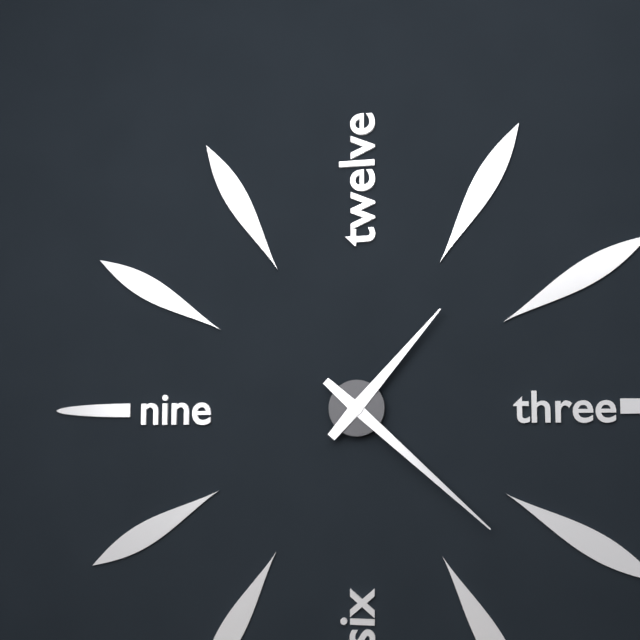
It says 1:22
